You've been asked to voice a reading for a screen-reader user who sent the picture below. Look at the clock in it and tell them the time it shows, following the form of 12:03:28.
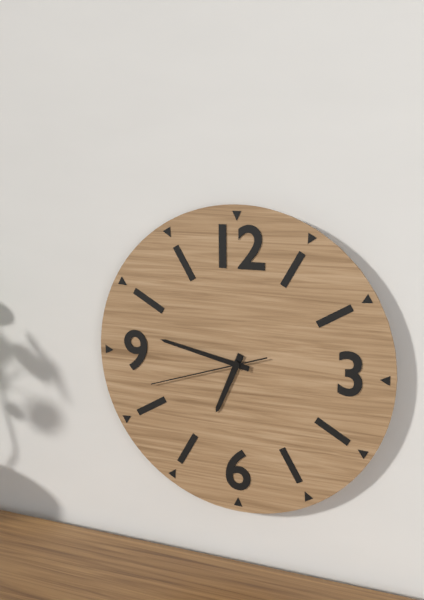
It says 6:47:42
